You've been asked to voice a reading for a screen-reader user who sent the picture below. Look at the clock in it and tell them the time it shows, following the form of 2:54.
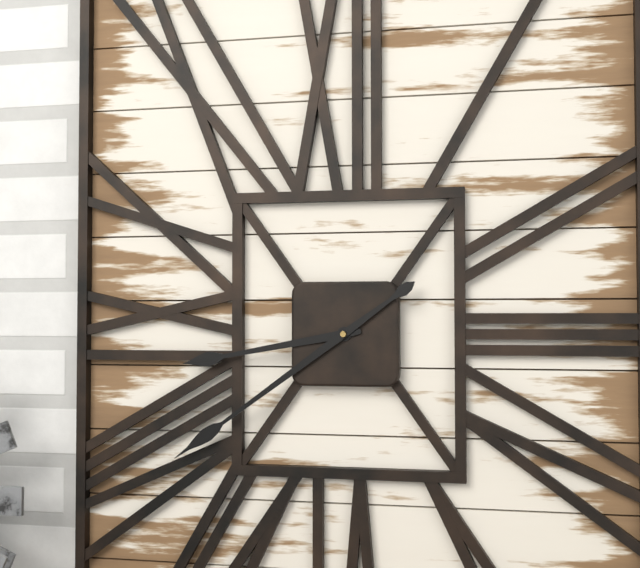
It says 8:39
